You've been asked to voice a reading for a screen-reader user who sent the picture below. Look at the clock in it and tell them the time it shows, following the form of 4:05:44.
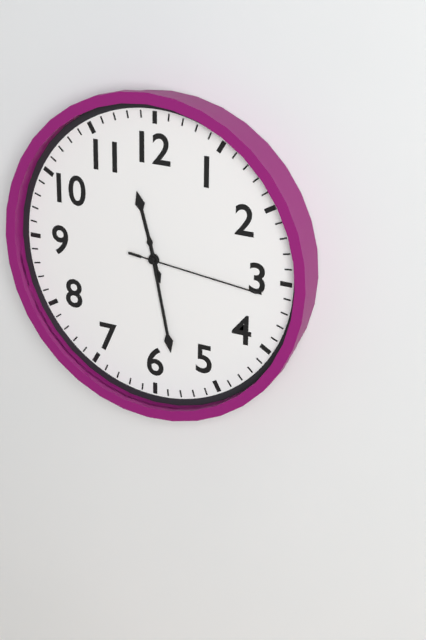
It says 11:28:16
